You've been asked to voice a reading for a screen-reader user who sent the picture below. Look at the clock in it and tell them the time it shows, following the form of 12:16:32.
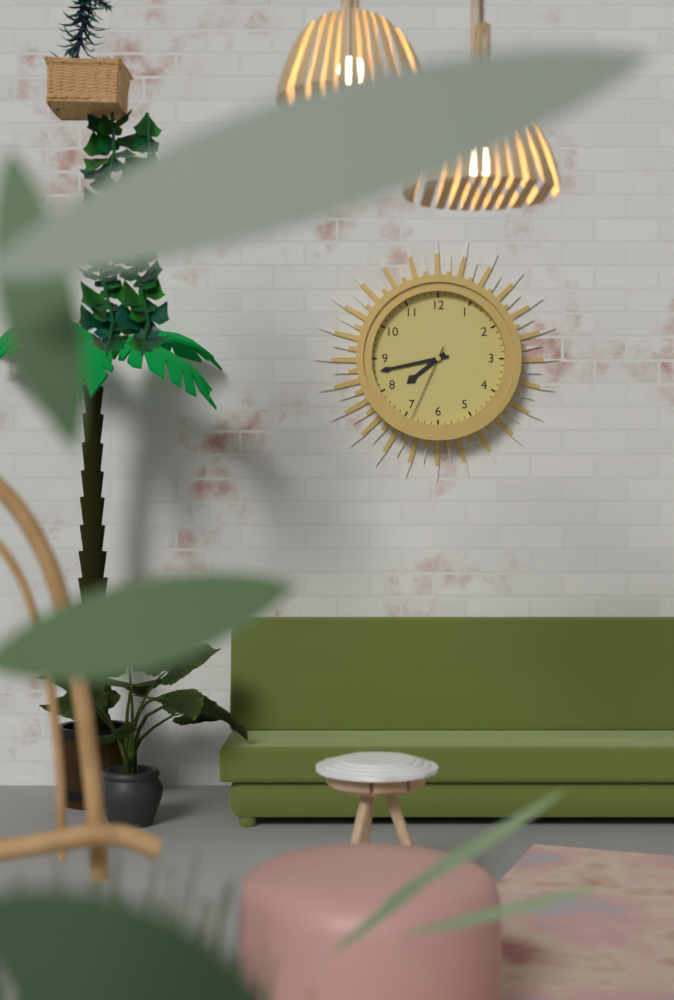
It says 7:43:34
